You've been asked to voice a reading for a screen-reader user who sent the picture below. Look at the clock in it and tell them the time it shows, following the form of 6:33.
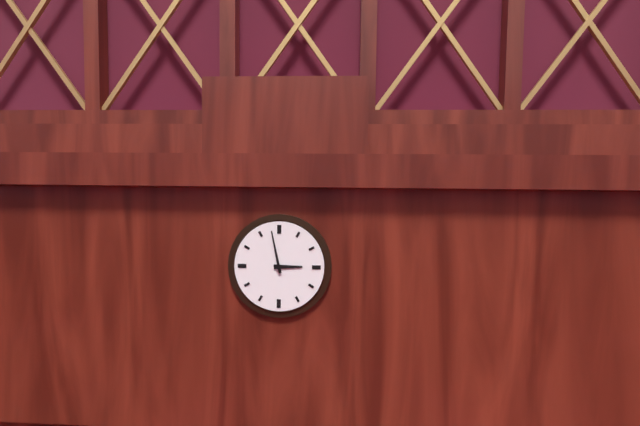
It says 2:58
